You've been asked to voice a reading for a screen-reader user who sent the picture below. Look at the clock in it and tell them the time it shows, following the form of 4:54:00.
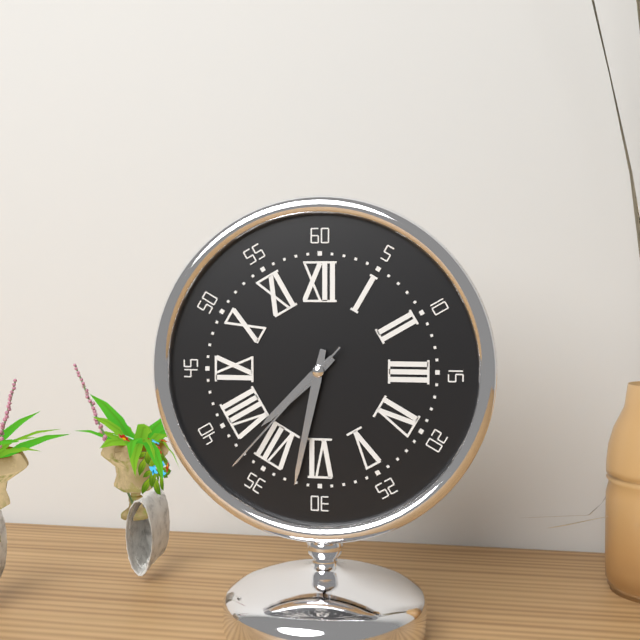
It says 7:32:37
